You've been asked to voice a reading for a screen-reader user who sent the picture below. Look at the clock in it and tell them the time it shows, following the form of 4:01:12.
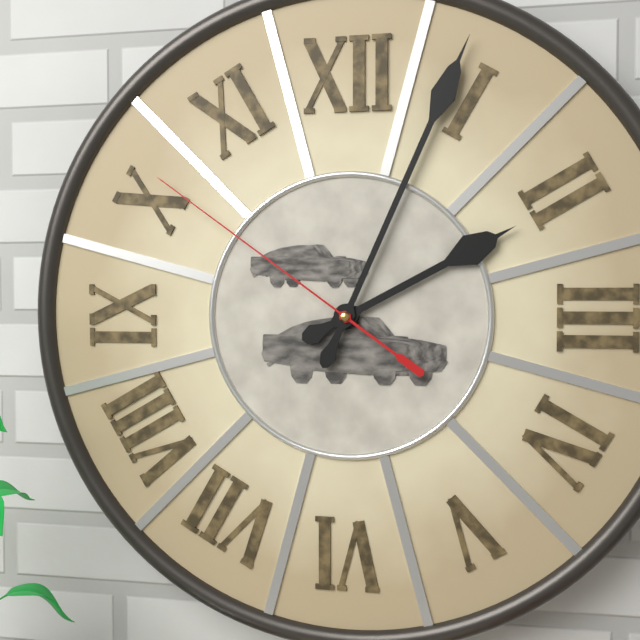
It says 2:04:51
